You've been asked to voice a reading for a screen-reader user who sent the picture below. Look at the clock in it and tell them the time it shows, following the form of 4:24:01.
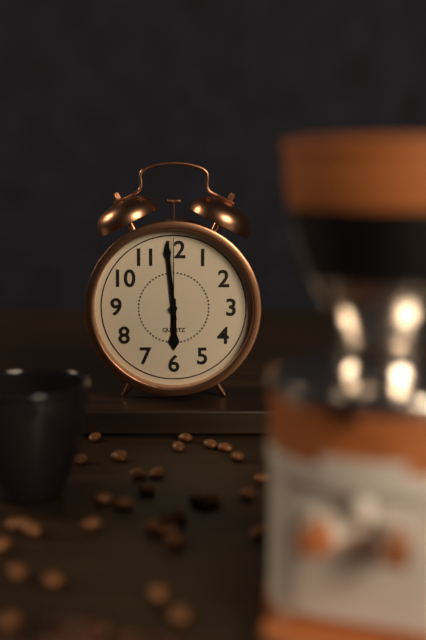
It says 5:59:00
